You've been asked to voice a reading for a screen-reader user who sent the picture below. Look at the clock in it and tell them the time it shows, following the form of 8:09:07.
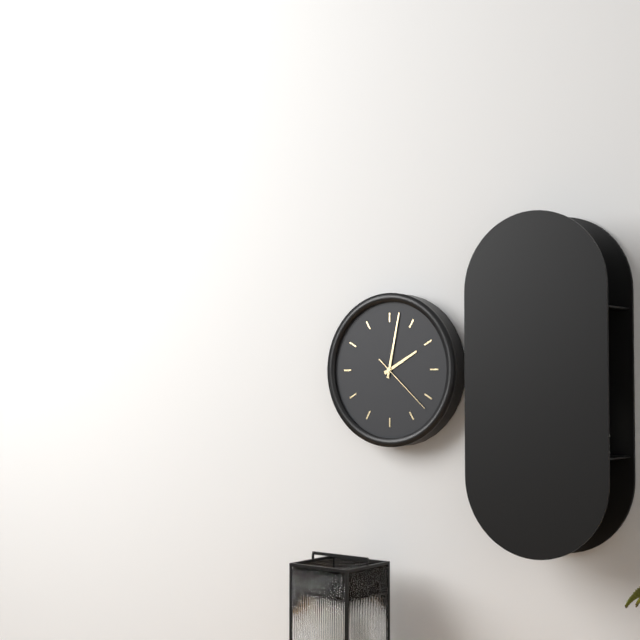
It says 2:02:22
